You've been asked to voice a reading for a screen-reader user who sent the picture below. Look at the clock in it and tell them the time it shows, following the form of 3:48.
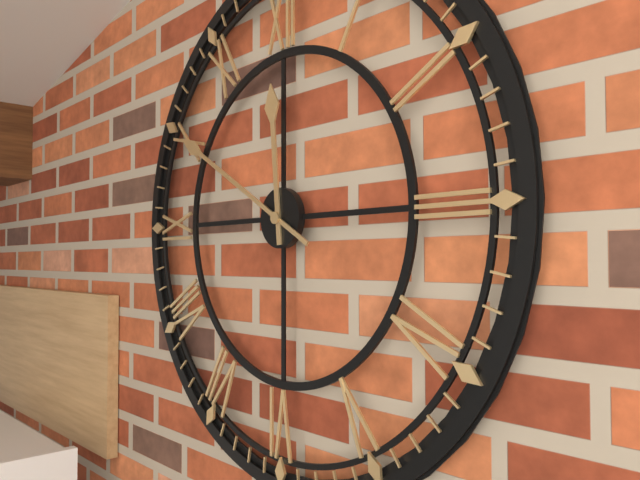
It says 11:50
